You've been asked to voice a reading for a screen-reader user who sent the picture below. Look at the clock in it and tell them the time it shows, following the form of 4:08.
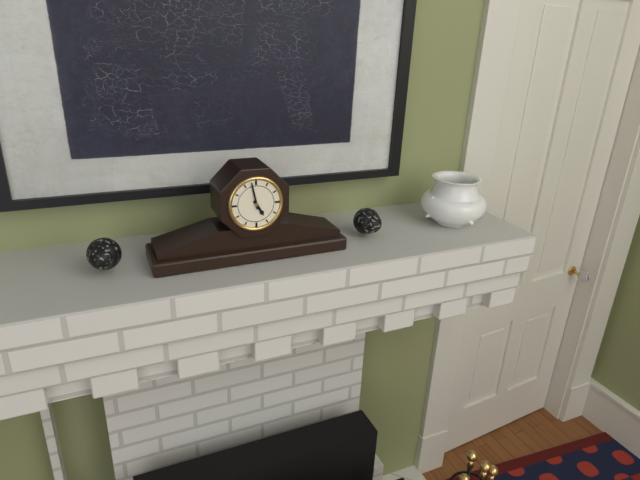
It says 4:58
